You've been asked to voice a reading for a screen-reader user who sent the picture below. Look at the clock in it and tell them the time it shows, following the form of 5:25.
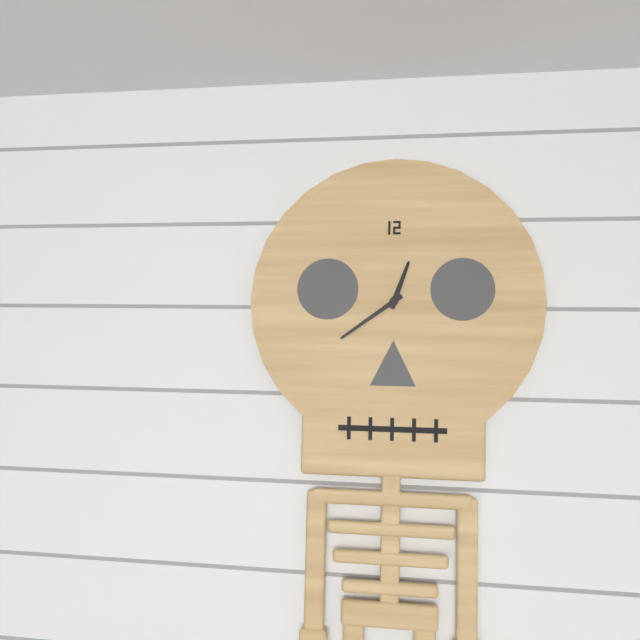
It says 12:39
